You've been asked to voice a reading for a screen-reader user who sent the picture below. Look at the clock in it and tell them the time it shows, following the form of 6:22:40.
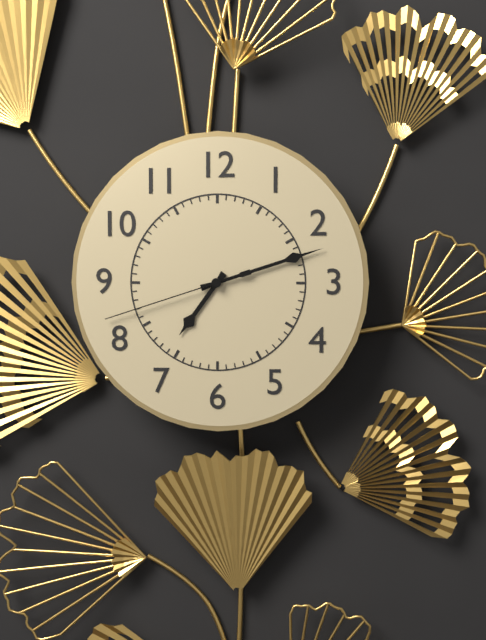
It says 7:12:42
